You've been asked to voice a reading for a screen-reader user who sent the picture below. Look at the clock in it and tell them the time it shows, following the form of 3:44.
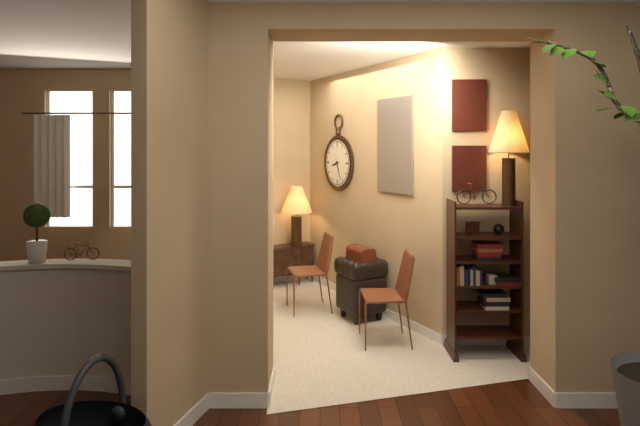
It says 8:26
